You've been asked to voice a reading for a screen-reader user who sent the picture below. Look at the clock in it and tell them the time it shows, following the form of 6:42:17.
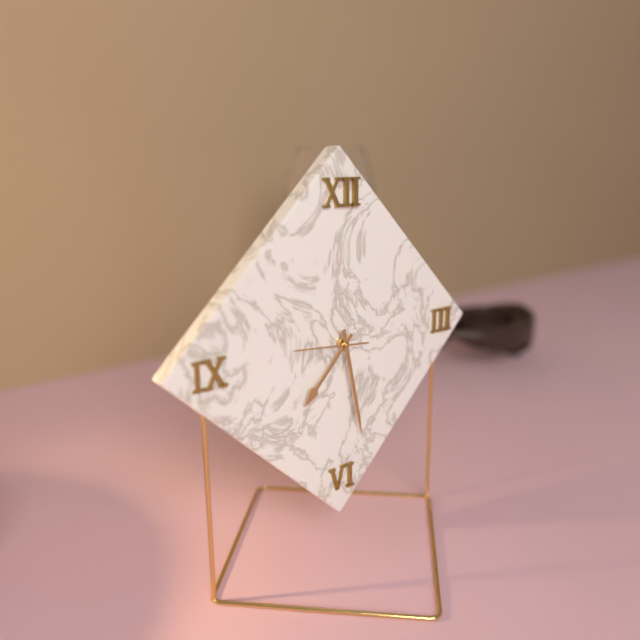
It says 7:28:46
